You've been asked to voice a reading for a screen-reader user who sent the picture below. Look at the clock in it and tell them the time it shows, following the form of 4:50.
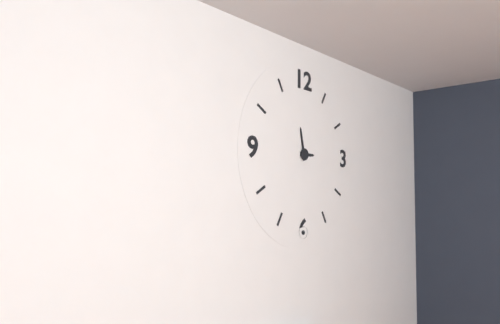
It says 2:58
